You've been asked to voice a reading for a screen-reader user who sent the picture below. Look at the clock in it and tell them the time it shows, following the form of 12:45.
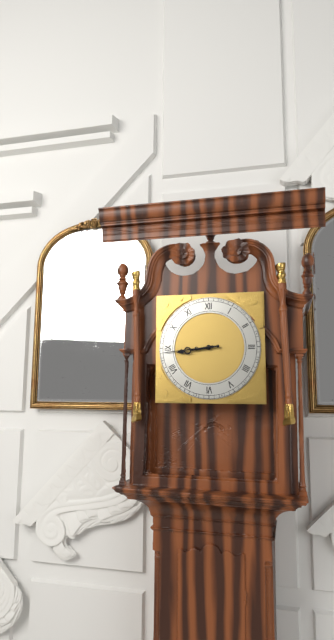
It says 8:44
